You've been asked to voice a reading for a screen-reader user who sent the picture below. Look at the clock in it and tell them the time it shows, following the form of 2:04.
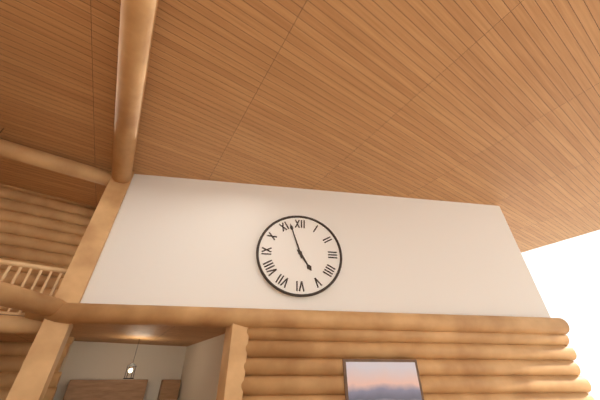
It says 4:57
